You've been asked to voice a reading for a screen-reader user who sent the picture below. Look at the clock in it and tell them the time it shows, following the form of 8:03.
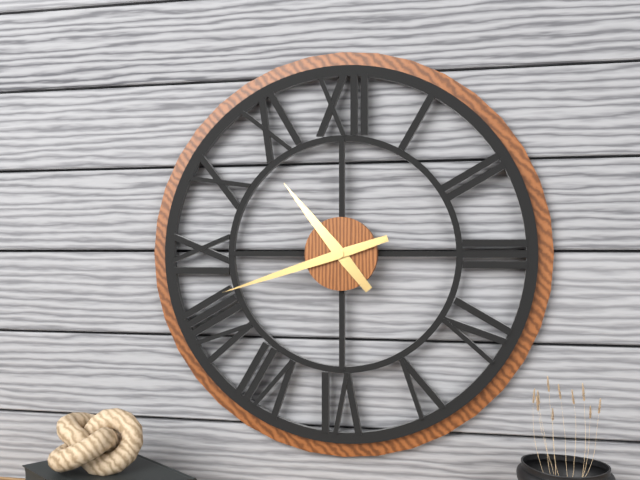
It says 10:42
